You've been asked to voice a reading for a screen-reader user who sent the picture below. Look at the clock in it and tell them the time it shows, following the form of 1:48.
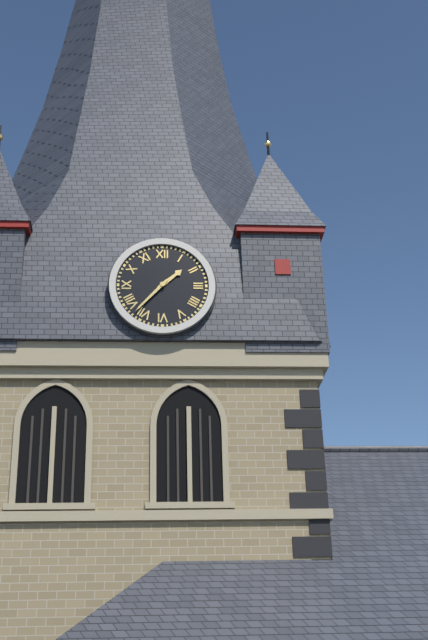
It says 1:37
